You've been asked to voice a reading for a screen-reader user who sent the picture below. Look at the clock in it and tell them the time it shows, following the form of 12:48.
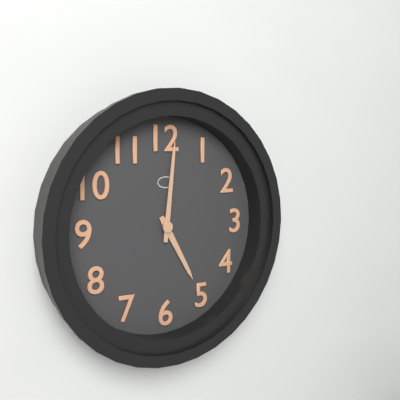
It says 5:01
